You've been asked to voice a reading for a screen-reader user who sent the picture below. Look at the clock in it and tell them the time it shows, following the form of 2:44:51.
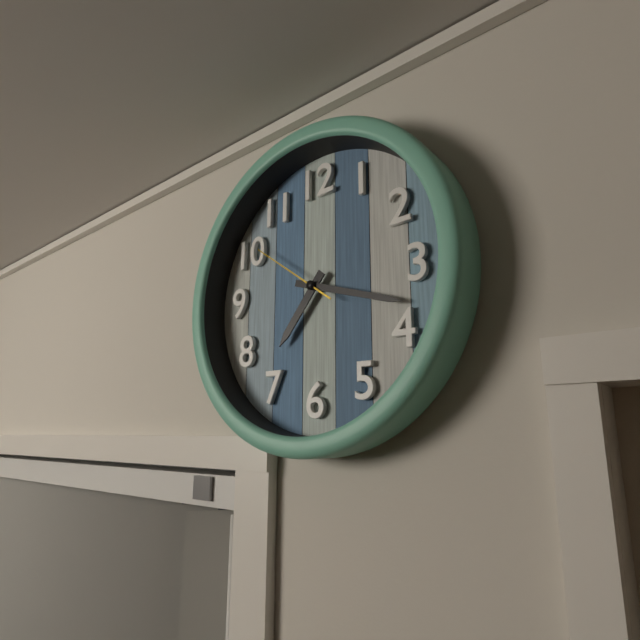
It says 7:18:51
